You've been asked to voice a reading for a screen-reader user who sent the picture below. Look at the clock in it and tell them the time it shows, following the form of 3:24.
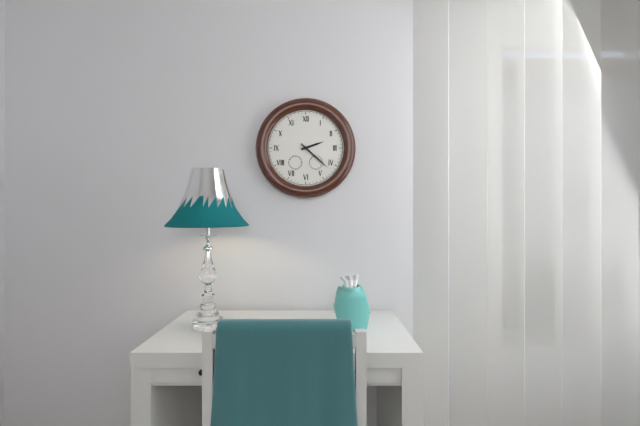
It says 2:22
